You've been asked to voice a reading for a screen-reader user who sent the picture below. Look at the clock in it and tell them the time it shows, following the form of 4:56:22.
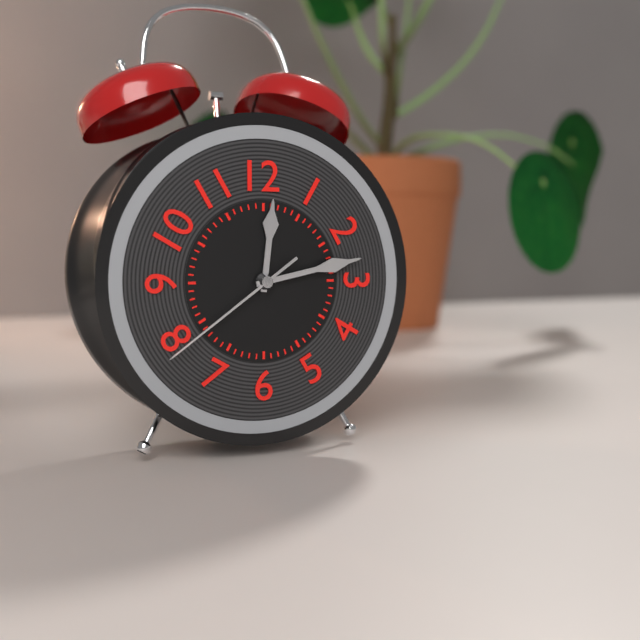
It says 12:13:39
